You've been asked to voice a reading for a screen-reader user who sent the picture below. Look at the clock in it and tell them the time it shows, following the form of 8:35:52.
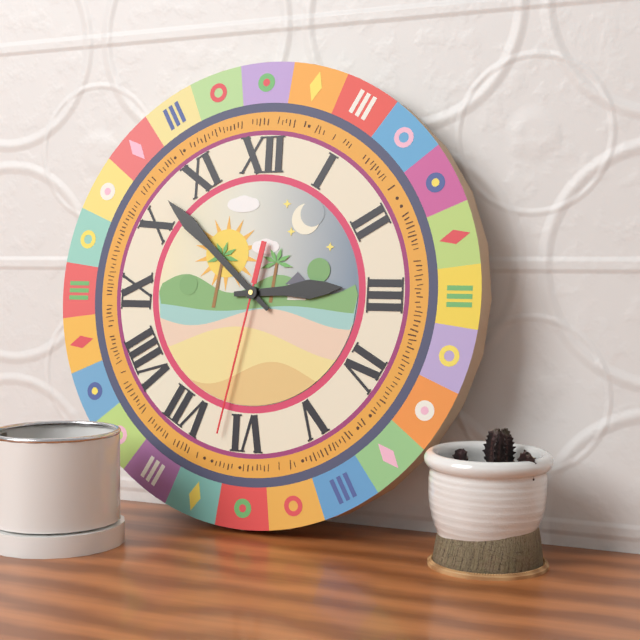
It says 2:52:32
